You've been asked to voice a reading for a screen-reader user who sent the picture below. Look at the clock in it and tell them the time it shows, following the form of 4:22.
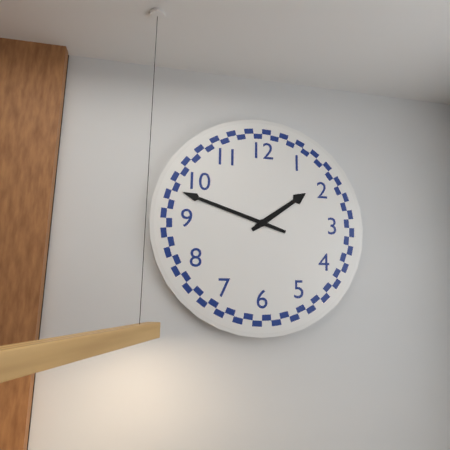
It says 1:48
